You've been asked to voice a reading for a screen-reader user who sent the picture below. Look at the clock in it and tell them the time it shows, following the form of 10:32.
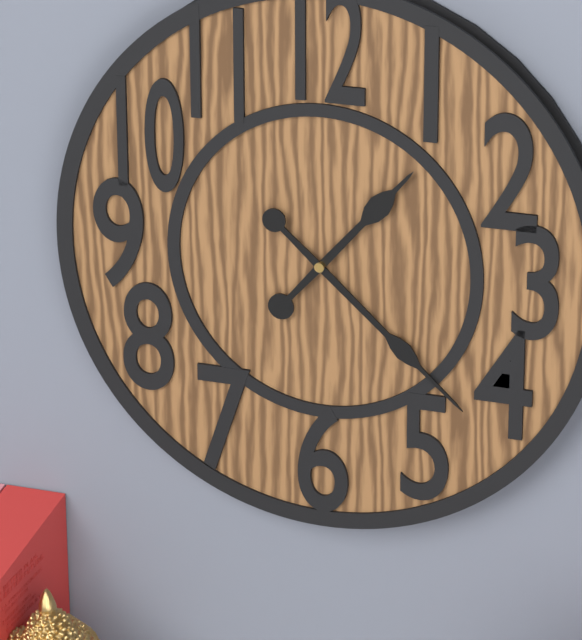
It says 1:22
